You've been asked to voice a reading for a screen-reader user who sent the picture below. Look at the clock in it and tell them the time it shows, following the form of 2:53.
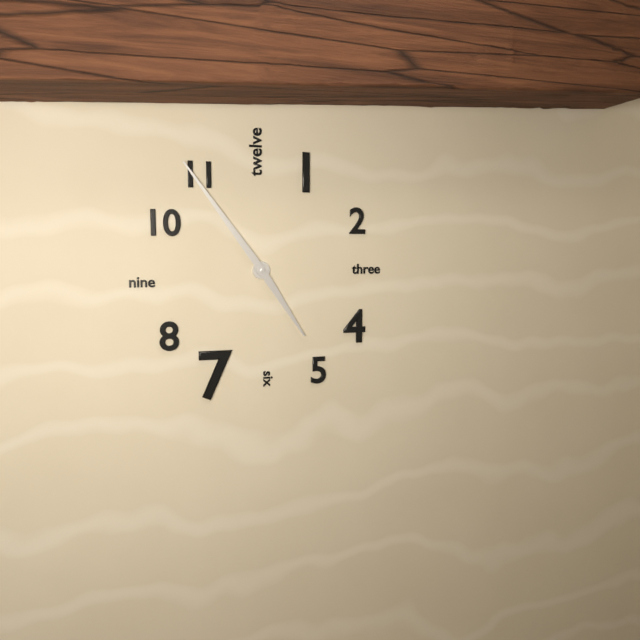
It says 4:54
